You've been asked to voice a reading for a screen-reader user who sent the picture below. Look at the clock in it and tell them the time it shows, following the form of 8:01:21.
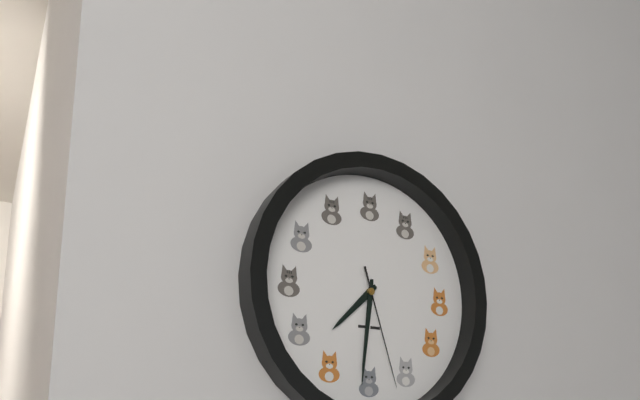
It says 7:31:27
